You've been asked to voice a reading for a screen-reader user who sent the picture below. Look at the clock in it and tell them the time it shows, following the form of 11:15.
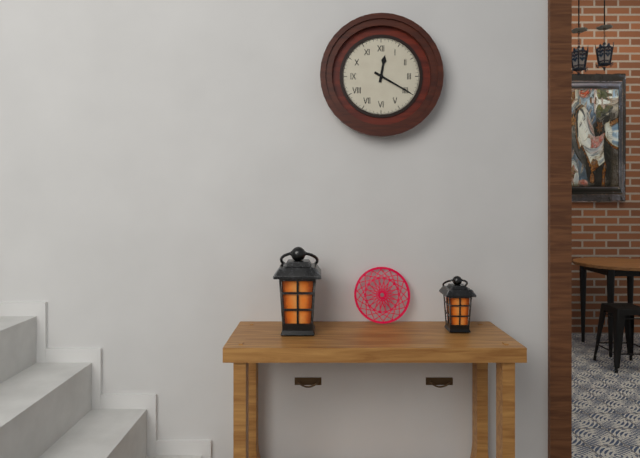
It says 12:20
